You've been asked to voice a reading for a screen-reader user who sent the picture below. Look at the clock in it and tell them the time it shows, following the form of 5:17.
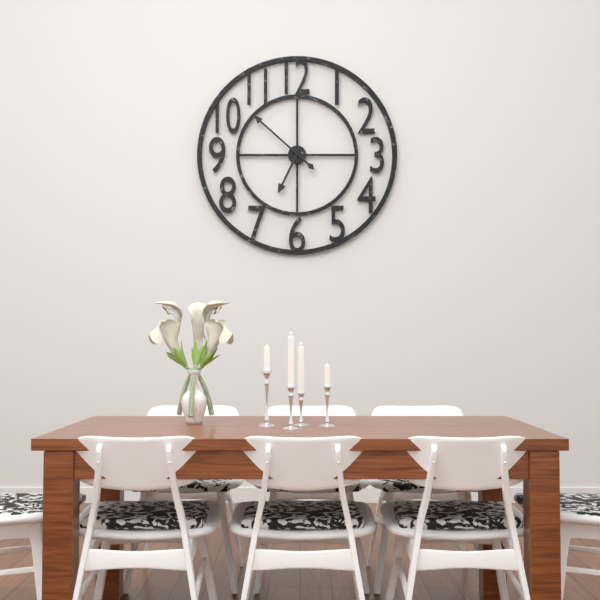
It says 6:52
